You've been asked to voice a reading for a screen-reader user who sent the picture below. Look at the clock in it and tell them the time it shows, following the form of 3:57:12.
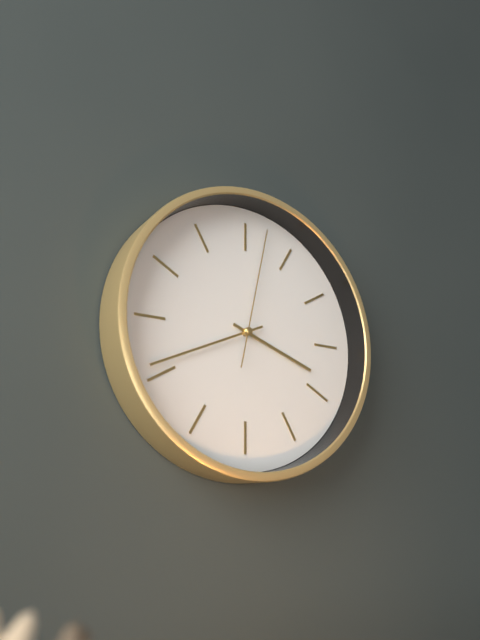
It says 3:41:02
